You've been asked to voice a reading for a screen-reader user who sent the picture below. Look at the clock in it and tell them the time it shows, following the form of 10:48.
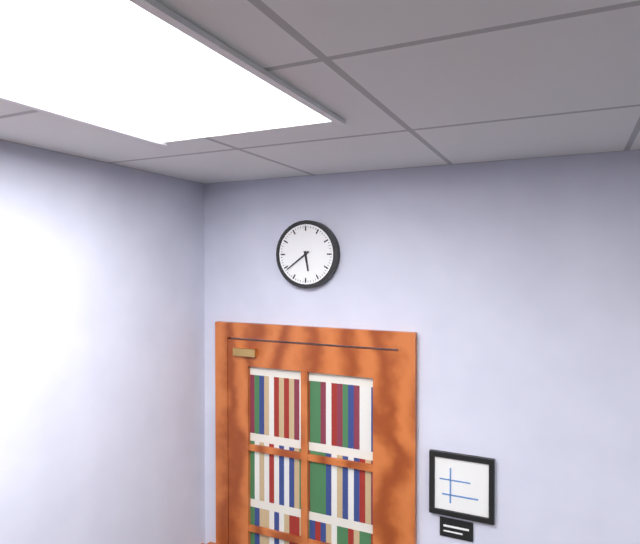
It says 5:39
